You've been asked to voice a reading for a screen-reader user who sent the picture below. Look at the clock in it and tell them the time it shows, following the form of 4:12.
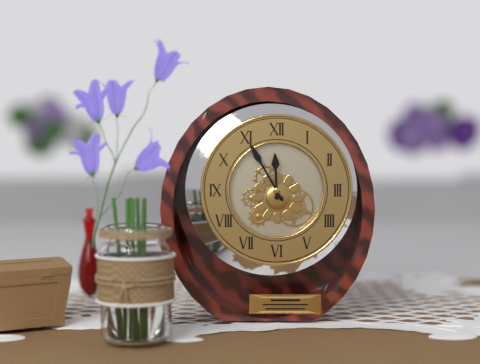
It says 11:55
